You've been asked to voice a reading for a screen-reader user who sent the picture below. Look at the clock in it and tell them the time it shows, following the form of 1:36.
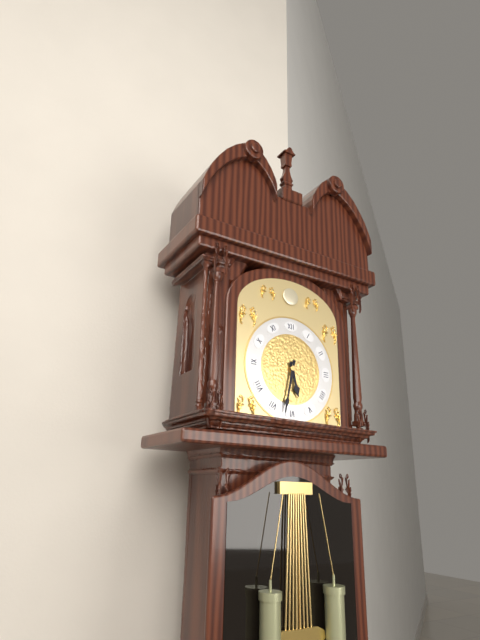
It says 5:32
